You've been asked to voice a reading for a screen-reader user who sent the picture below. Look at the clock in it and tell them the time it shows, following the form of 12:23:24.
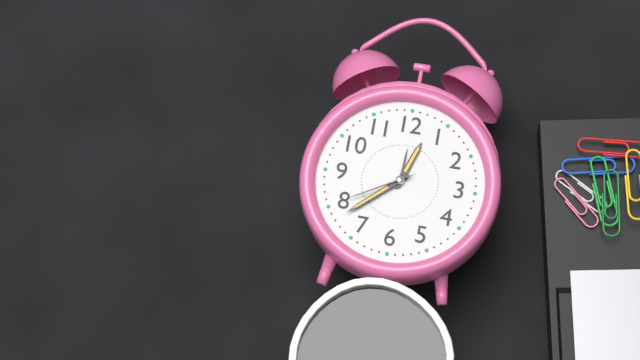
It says 12:38:40
